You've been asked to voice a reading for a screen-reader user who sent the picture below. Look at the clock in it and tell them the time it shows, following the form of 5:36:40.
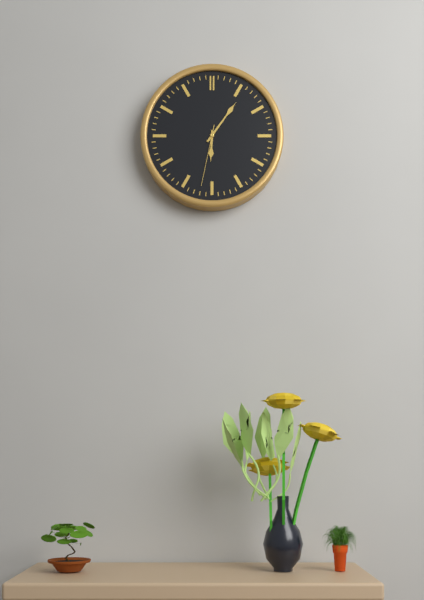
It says 6:06:32
